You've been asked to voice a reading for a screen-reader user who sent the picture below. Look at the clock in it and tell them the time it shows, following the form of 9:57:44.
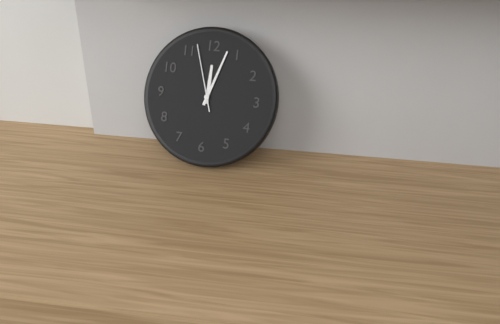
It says 12:03:57
